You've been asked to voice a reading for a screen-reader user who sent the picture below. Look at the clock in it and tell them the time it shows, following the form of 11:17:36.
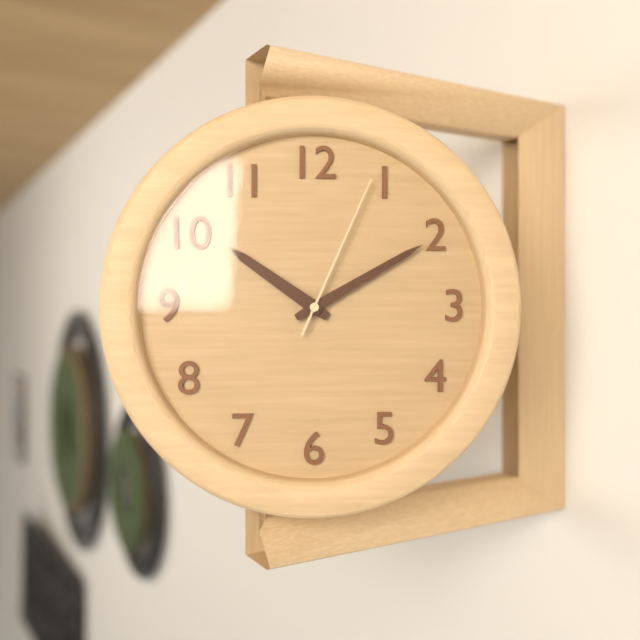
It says 10:10:04
